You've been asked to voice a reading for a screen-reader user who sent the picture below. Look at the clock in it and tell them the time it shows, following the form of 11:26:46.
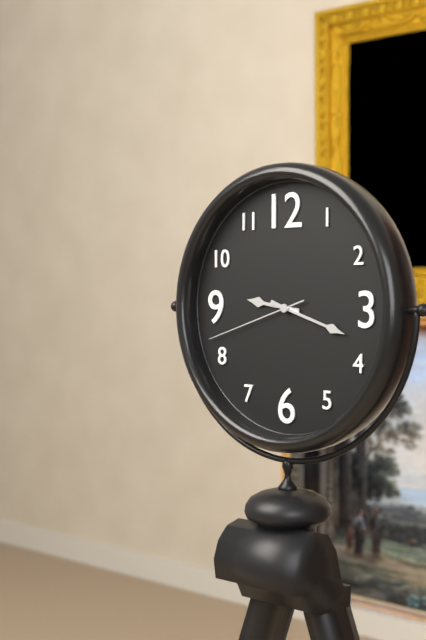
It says 9:18:42
